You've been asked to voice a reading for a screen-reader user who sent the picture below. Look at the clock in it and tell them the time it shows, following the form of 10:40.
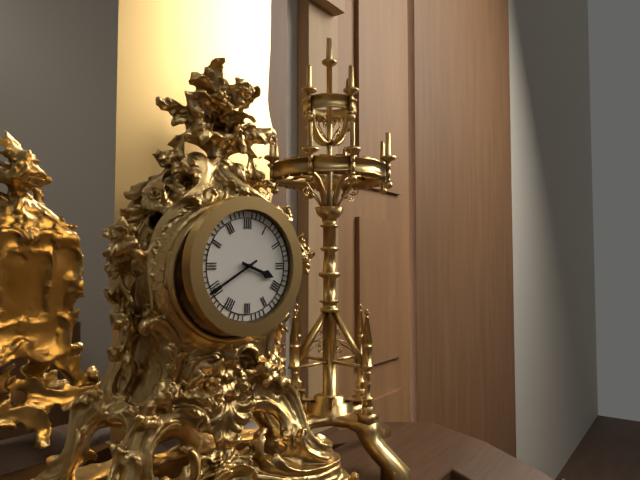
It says 3:40
